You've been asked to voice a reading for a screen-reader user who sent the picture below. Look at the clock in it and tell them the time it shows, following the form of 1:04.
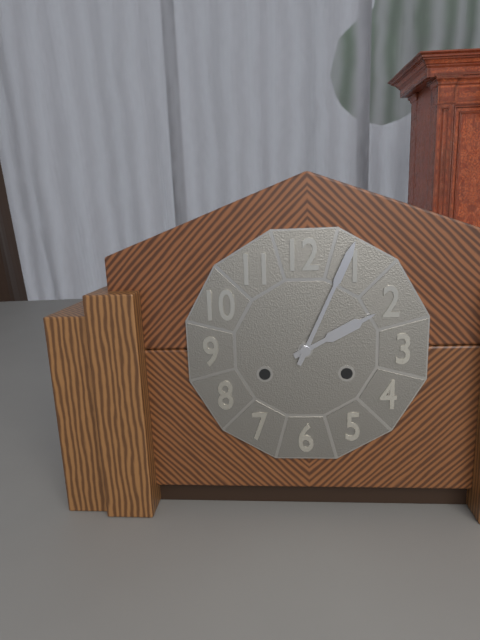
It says 2:04
